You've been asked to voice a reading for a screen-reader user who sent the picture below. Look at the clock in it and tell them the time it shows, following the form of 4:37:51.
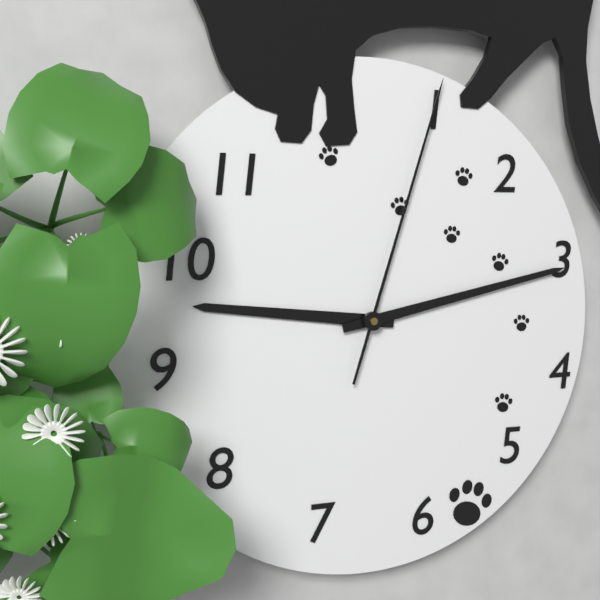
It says 9:13:03
